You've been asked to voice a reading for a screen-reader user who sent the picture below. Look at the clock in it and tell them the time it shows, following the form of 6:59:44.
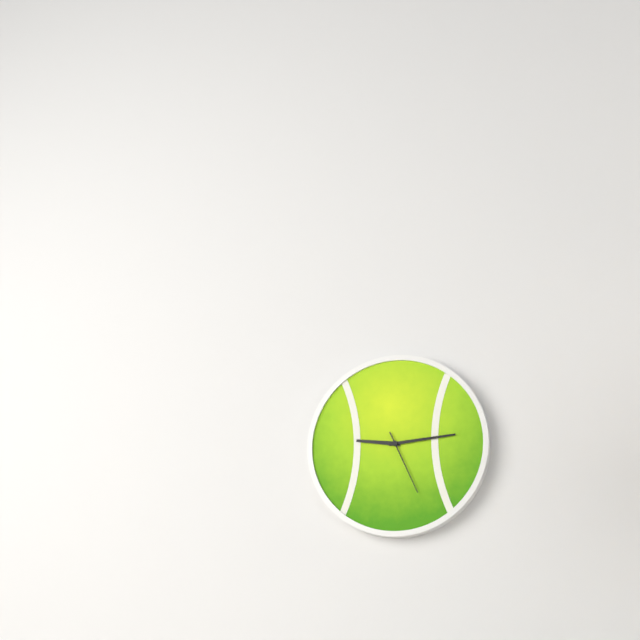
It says 9:14:26
